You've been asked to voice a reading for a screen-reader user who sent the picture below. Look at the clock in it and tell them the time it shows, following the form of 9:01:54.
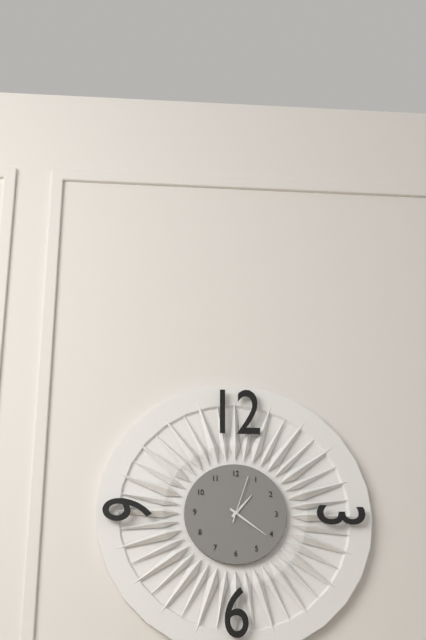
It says 1:21:03
